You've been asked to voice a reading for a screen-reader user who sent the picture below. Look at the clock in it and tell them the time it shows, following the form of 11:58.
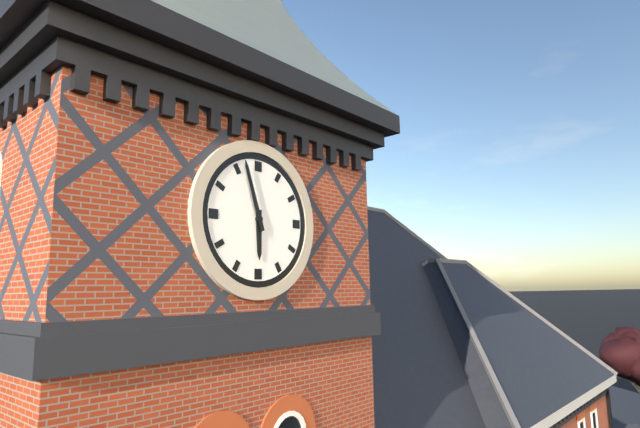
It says 5:57
